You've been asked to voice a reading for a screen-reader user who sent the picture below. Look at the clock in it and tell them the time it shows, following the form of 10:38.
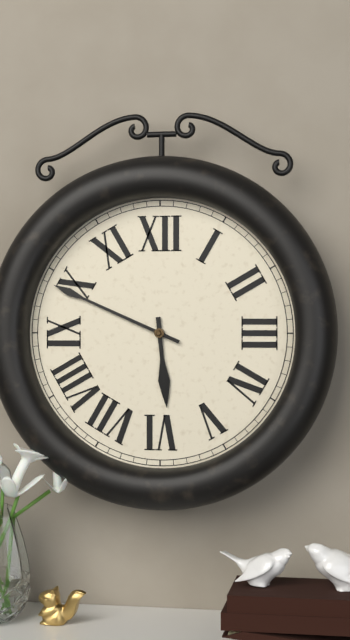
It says 5:49
